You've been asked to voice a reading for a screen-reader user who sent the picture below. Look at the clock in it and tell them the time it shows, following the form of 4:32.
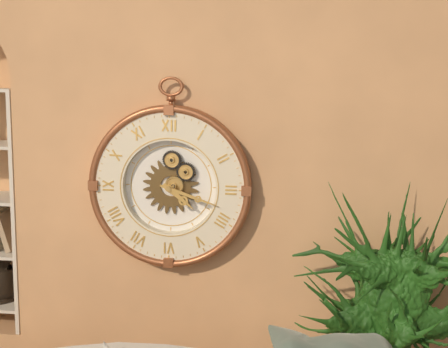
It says 4:18
